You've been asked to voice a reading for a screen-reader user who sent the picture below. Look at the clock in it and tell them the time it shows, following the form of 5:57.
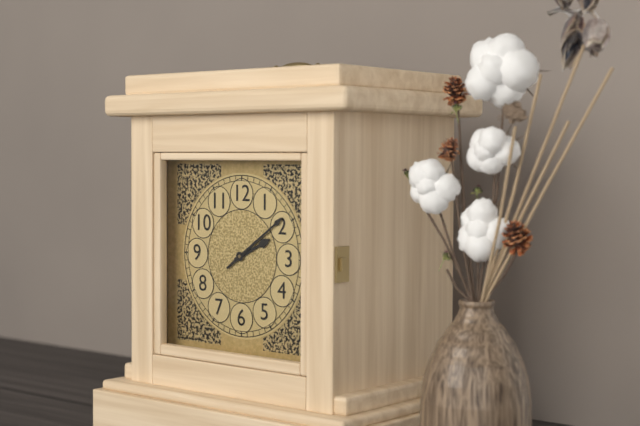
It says 2:09
